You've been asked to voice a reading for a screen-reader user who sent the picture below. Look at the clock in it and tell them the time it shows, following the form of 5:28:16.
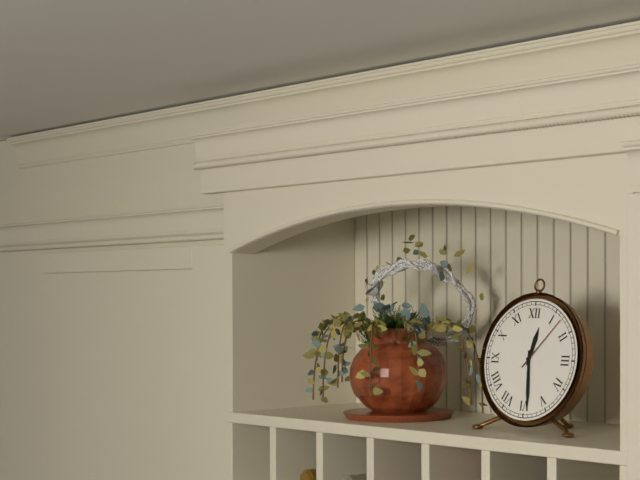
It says 12:29:07
